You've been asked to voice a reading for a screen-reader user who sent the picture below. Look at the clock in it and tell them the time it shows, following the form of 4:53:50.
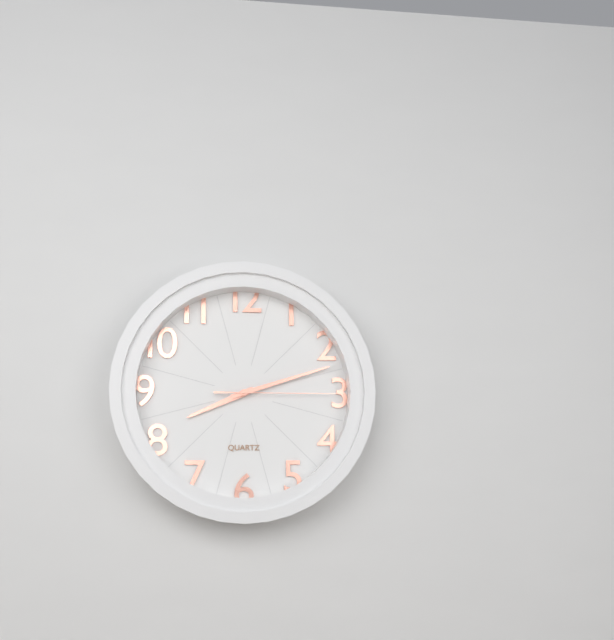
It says 8:12:15
